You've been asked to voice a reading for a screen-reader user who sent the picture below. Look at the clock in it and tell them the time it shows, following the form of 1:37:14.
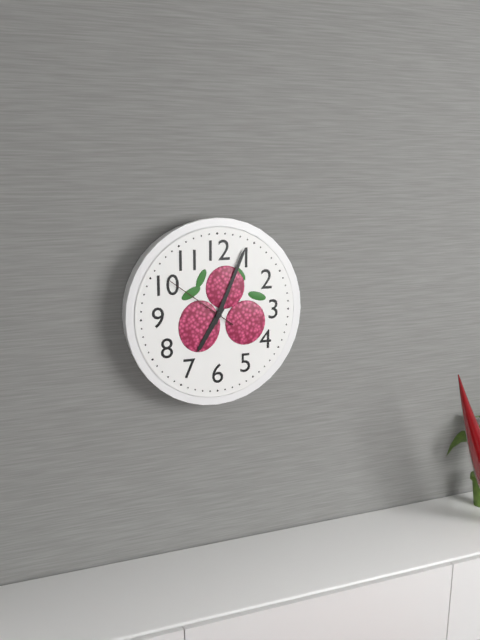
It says 7:04:51
